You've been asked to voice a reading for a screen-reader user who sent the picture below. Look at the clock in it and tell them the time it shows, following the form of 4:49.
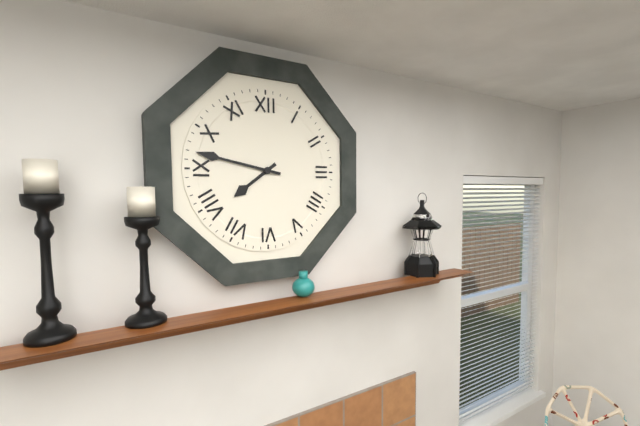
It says 7:47
